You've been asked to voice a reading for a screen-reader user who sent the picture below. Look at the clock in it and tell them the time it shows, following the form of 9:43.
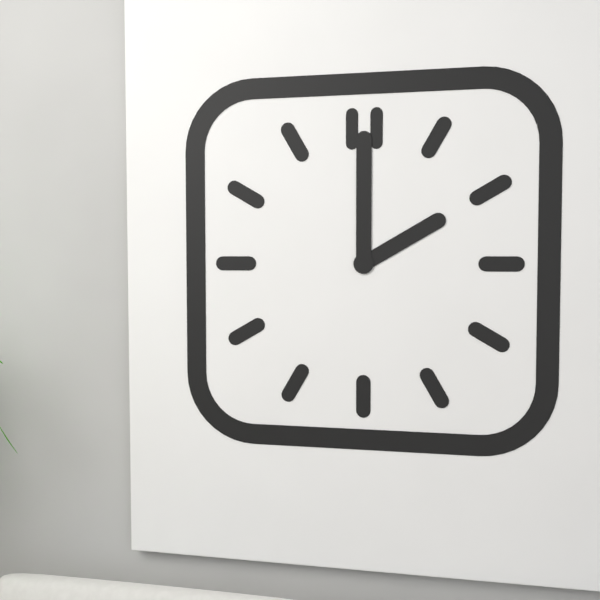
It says 2:00
